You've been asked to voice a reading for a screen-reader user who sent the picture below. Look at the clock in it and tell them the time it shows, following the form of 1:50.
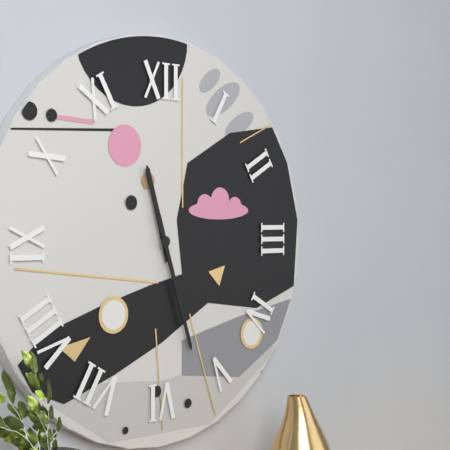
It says 11:27
